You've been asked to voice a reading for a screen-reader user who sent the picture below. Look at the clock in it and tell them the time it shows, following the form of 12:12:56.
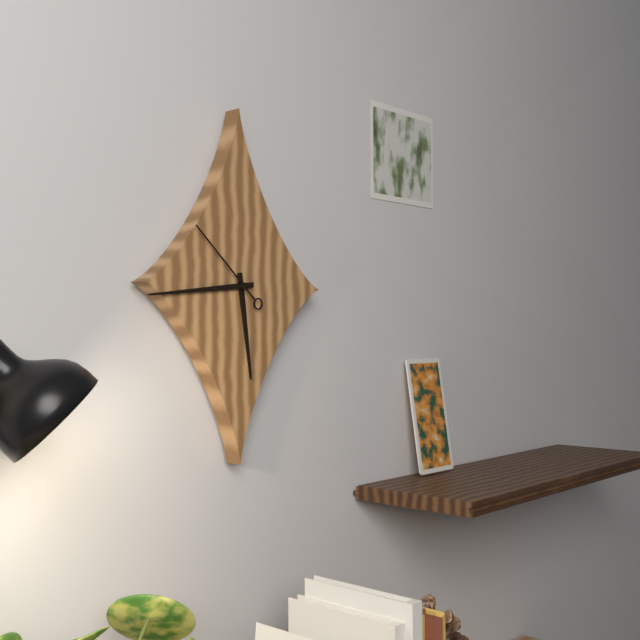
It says 5:44:52
